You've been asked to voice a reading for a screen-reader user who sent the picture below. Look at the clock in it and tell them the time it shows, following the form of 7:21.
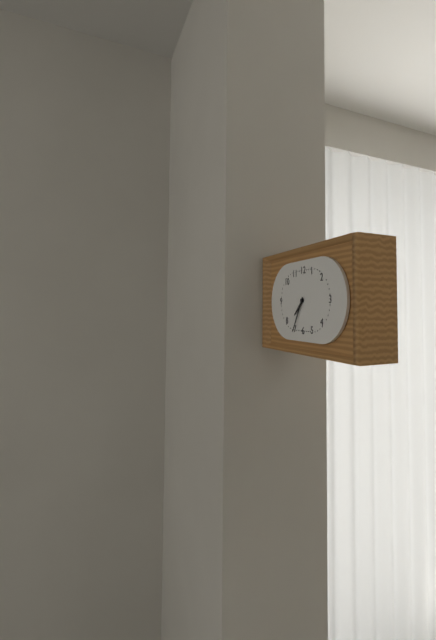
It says 7:35
